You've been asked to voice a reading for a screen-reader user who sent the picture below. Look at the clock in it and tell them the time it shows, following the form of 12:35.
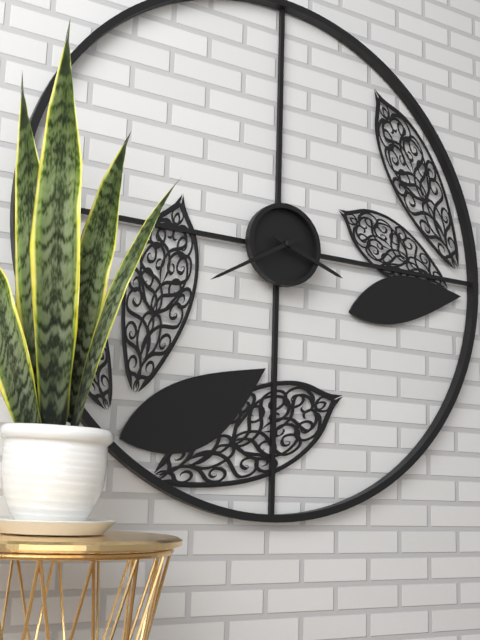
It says 3:40
